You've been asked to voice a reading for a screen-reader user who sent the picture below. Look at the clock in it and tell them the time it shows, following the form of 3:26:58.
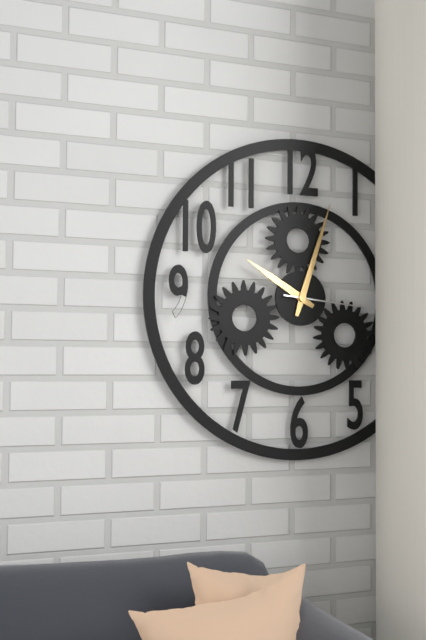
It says 10:03:16
